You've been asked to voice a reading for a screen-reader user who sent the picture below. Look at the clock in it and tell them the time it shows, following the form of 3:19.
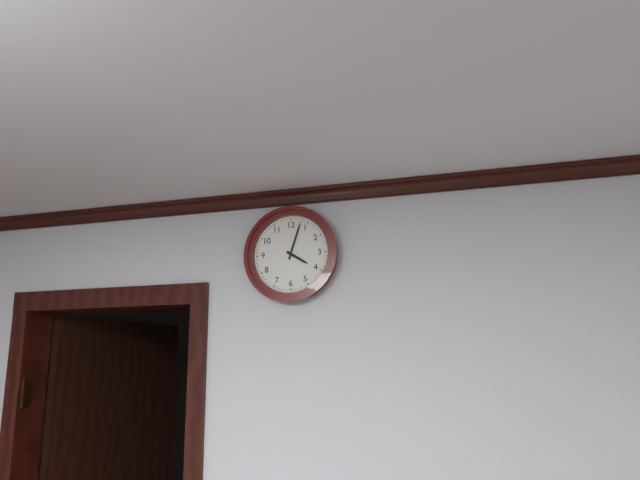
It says 4:03
